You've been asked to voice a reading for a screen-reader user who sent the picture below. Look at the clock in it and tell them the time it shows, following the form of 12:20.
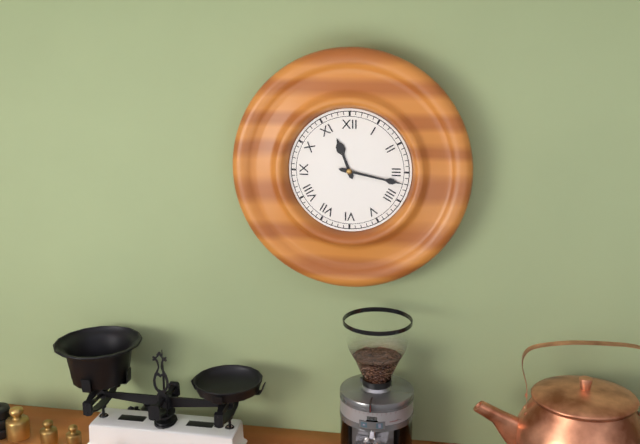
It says 11:17
